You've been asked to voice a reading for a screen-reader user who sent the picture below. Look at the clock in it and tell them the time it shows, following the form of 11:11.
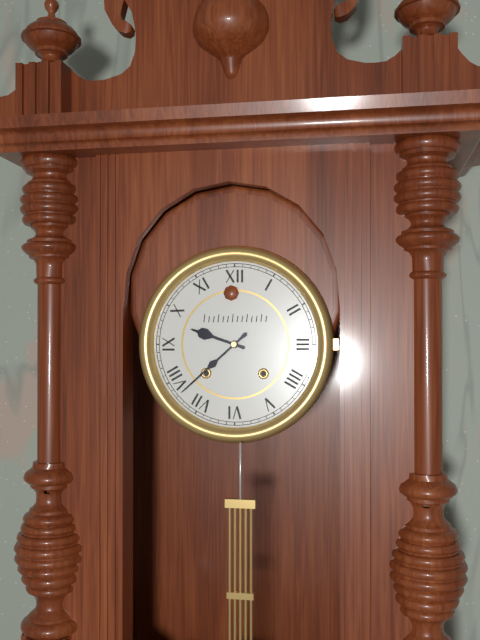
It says 9:38
